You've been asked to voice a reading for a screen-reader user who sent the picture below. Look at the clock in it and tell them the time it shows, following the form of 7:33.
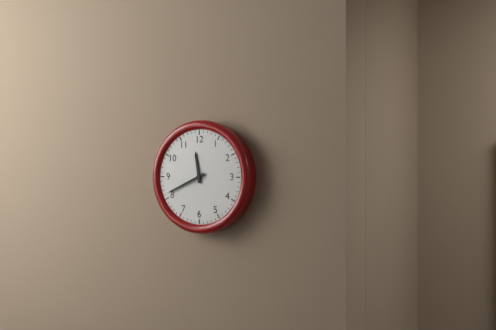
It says 11:41
